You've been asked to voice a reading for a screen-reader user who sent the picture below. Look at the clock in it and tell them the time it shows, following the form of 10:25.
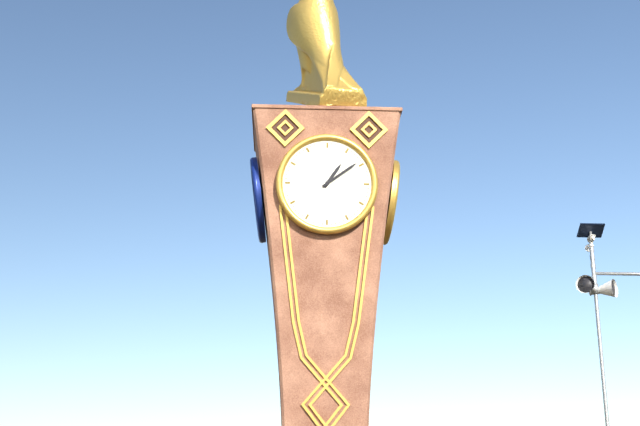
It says 1:09
